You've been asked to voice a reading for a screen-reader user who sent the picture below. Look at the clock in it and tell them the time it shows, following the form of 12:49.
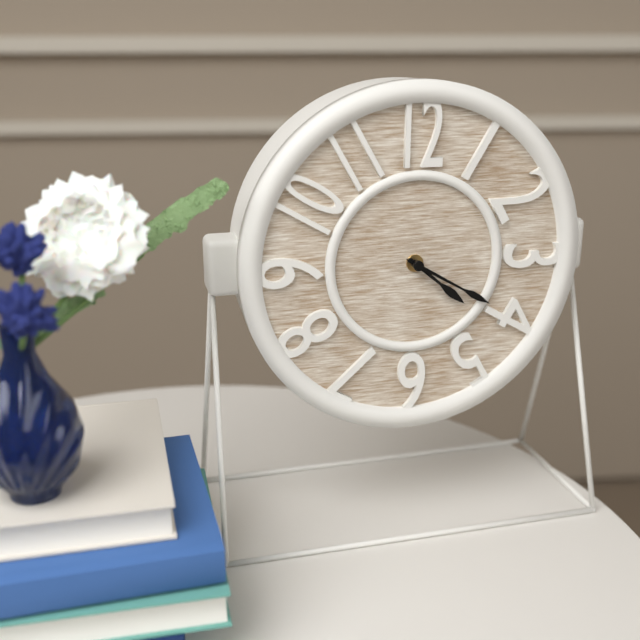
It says 4:20
